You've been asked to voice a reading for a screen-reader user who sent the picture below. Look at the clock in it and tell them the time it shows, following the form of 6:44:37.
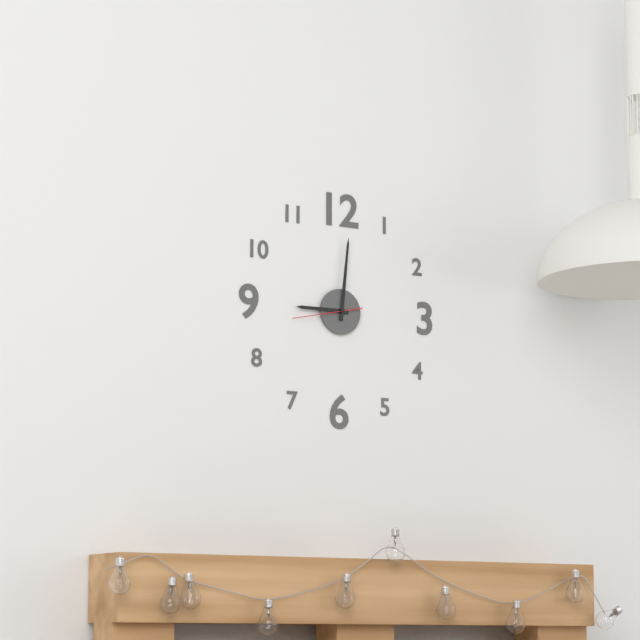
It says 9:01:43
